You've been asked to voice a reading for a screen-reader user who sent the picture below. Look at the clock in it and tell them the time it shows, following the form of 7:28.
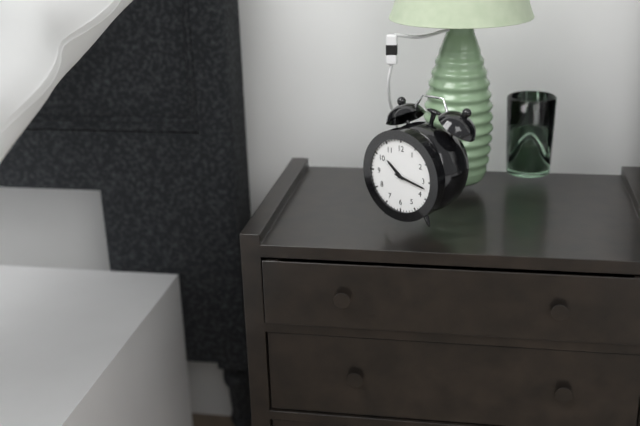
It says 10:17
